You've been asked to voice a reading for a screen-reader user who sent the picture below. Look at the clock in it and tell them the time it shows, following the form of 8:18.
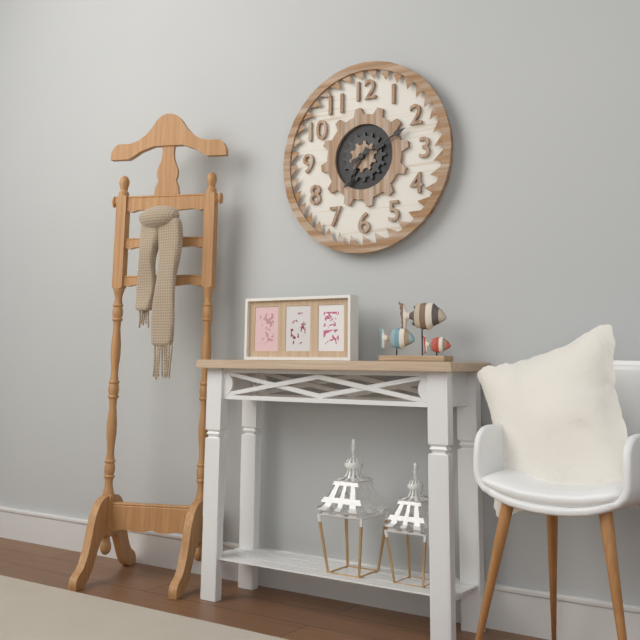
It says 7:11
